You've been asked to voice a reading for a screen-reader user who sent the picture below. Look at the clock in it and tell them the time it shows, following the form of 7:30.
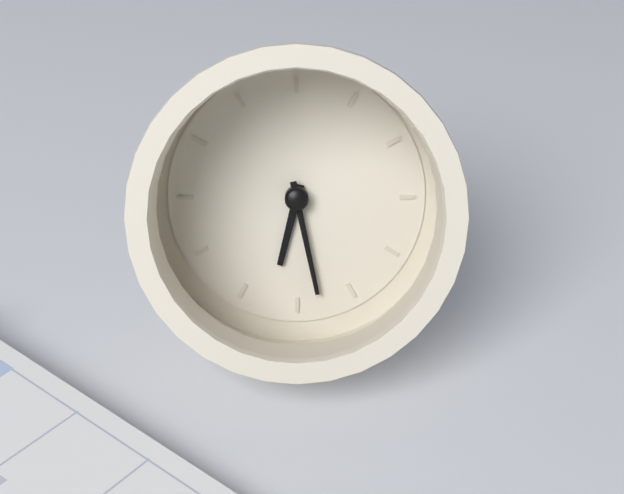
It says 6:28
